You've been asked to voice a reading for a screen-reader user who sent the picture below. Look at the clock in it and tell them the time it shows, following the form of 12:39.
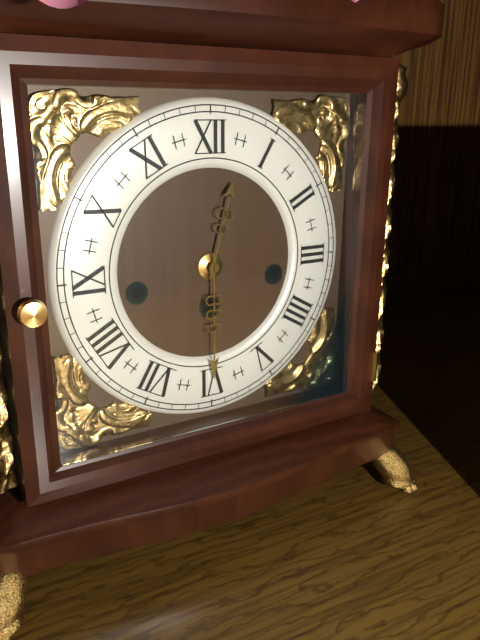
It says 12:30
